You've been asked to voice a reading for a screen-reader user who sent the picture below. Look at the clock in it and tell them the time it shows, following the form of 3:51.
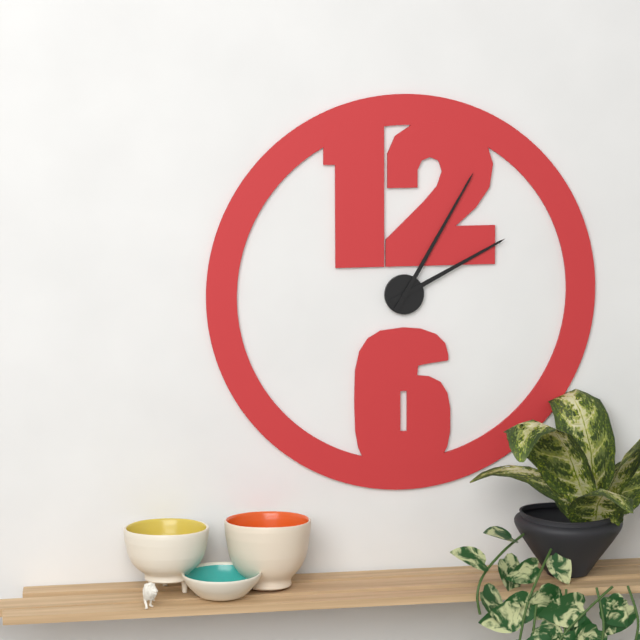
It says 2:05
